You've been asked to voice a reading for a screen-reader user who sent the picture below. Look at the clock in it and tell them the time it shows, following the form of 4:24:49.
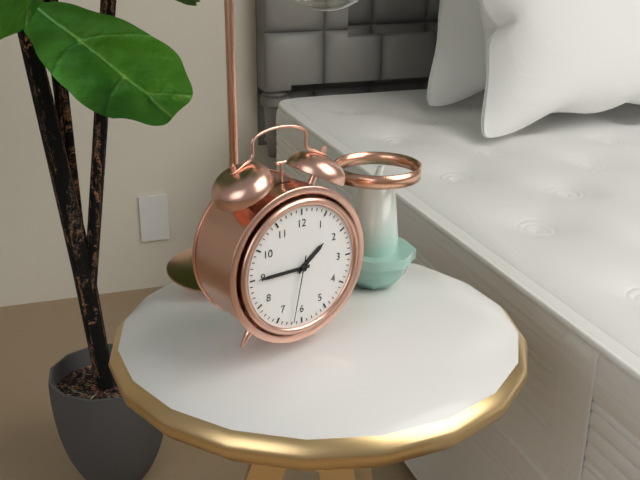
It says 1:45:32
